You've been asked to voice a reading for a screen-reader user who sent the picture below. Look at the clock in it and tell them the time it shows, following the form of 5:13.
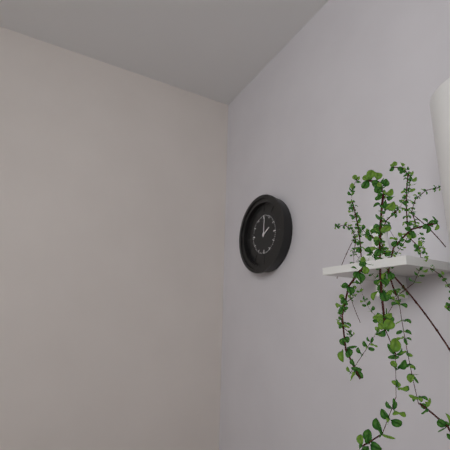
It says 2:01
